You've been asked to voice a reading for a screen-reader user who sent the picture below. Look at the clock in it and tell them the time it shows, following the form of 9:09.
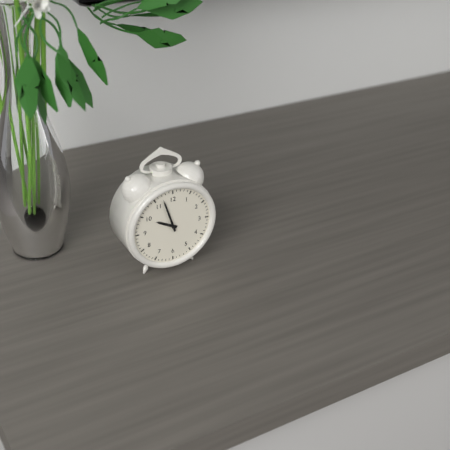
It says 9:57
